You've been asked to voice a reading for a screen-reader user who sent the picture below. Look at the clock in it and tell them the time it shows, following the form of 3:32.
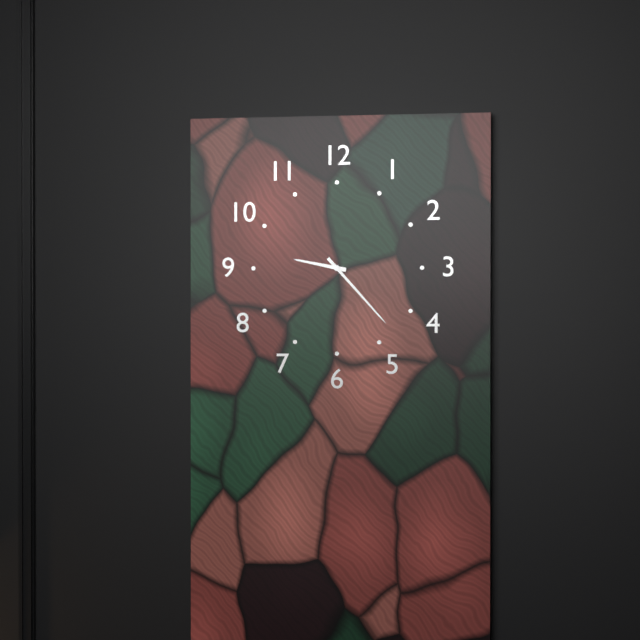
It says 9:23
